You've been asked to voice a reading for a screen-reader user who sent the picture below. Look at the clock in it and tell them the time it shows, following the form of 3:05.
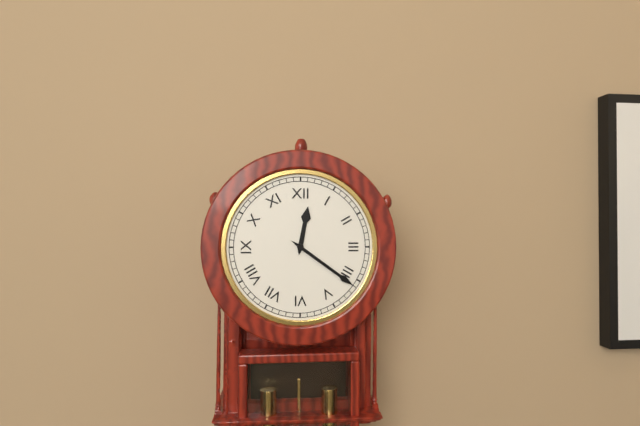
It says 12:21
